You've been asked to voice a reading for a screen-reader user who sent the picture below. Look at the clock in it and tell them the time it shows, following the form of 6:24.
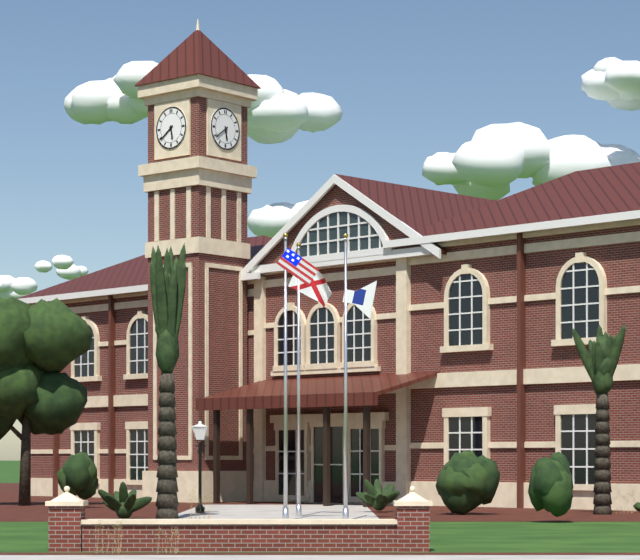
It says 5:39
